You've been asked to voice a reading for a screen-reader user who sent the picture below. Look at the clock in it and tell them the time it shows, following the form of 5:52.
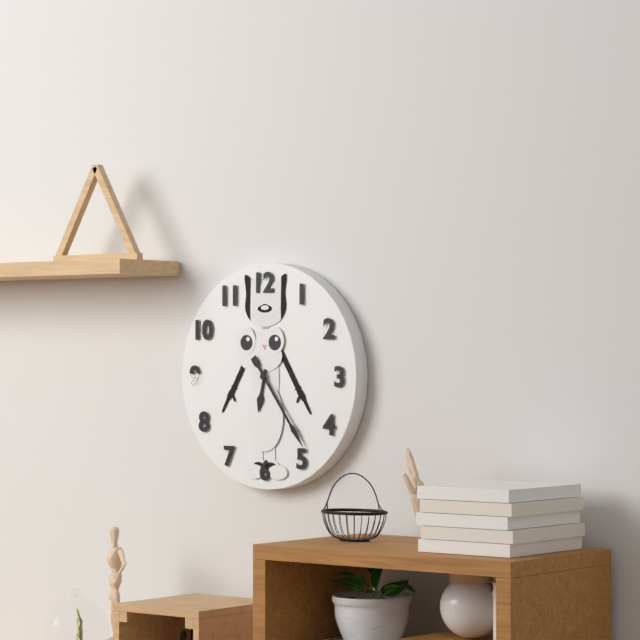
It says 6:24
